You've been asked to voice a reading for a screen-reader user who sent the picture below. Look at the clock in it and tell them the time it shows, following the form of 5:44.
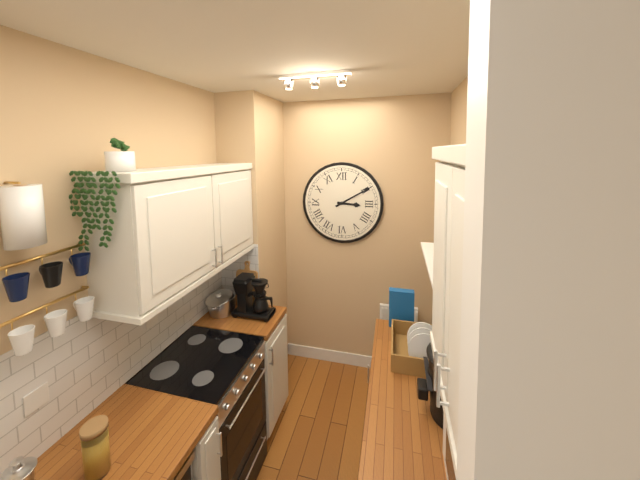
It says 3:10
